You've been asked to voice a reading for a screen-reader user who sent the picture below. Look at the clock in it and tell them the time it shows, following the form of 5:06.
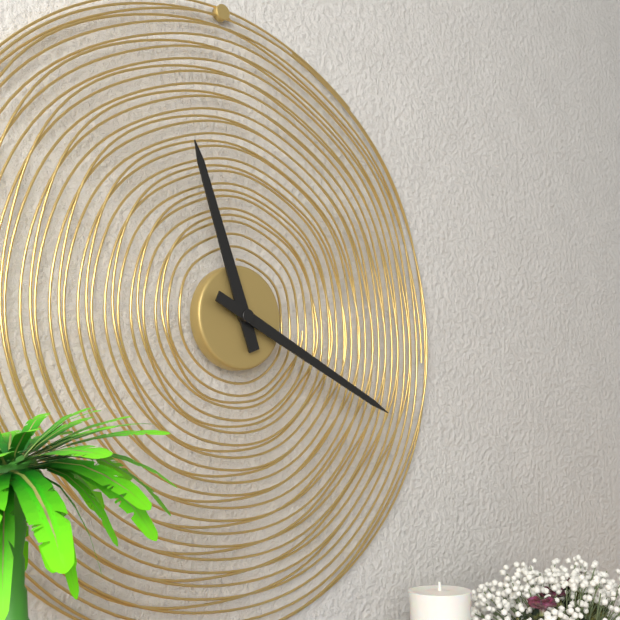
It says 11:19
